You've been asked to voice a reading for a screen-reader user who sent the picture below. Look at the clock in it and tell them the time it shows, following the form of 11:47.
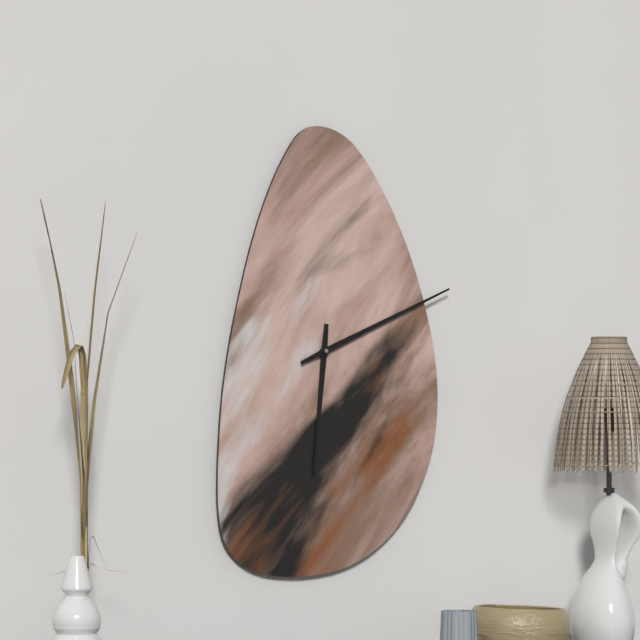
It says 6:11
